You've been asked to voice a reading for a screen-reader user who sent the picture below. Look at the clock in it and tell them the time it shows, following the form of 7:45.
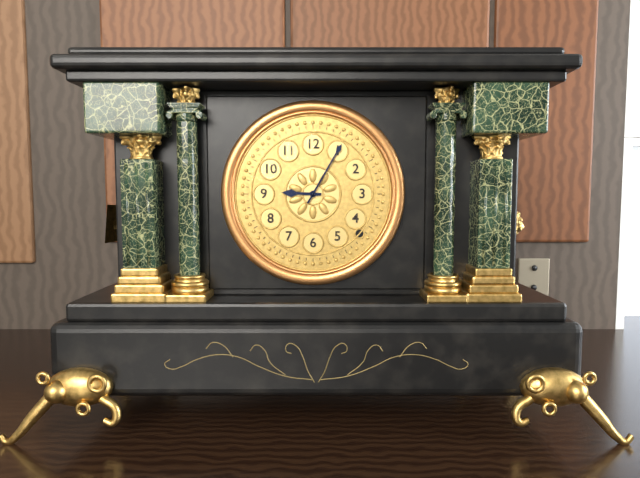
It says 9:05
